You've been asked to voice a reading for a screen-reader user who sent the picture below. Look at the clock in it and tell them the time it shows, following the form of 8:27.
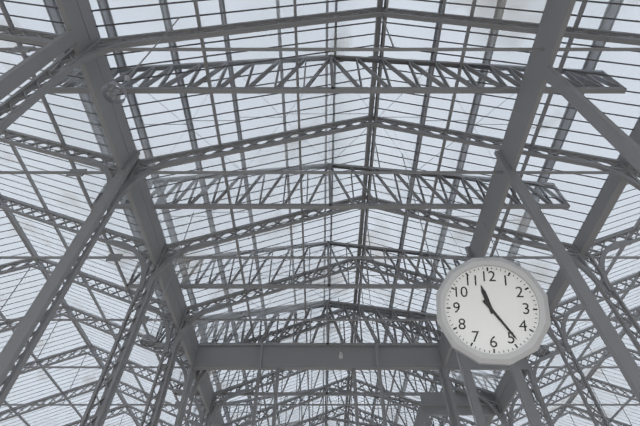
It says 11:24
